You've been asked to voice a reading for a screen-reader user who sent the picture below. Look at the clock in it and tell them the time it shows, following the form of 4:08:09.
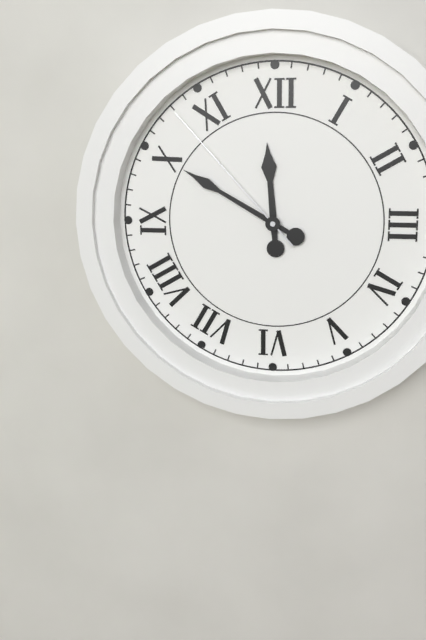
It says 11:50:53
